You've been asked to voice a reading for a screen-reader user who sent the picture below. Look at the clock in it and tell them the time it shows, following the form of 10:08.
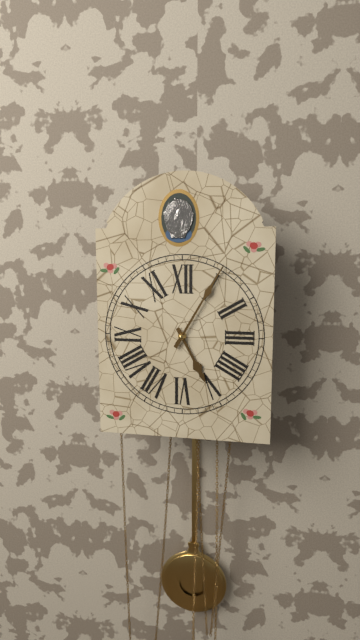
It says 5:05
